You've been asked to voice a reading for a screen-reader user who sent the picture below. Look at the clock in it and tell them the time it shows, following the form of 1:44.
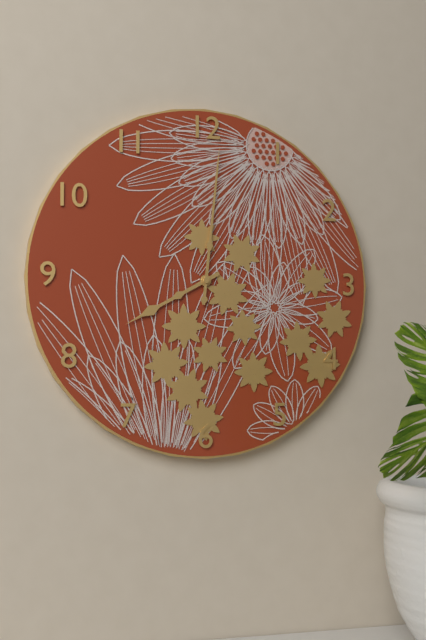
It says 8:01
